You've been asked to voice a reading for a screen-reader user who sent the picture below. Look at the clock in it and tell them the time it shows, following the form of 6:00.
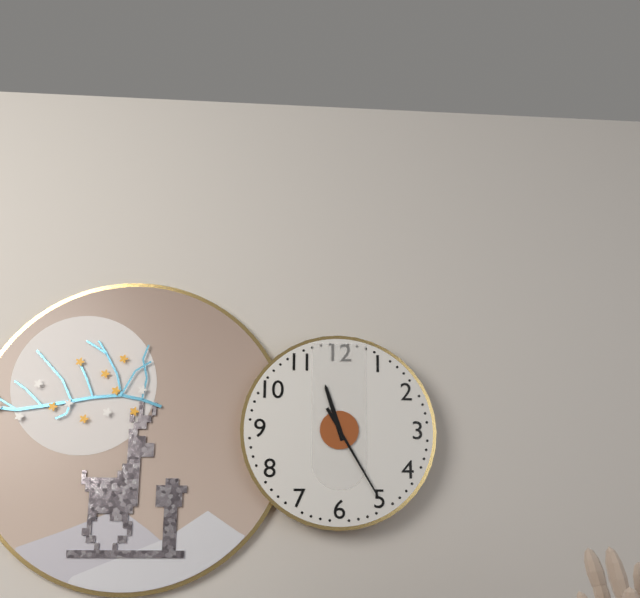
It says 11:25
